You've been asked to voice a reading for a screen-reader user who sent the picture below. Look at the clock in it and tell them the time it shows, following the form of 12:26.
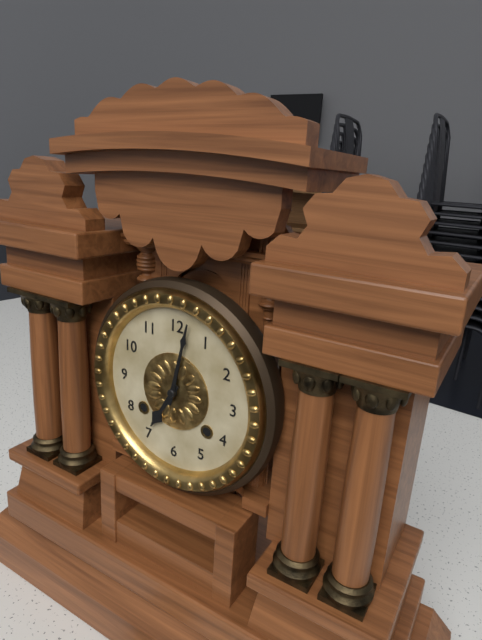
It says 7:02
